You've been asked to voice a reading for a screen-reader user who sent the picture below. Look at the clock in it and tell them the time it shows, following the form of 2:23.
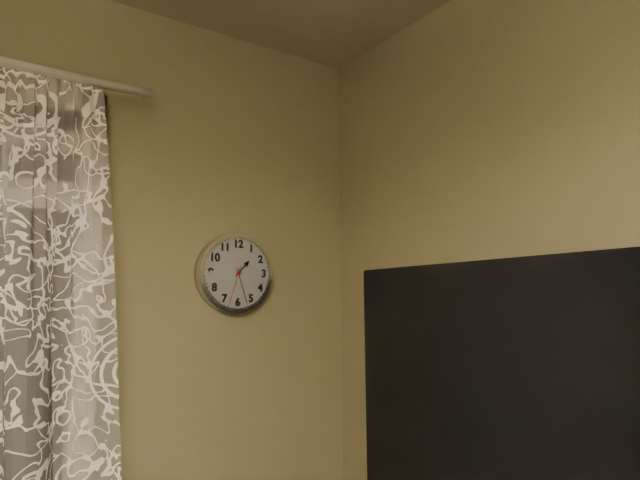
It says 1:27
